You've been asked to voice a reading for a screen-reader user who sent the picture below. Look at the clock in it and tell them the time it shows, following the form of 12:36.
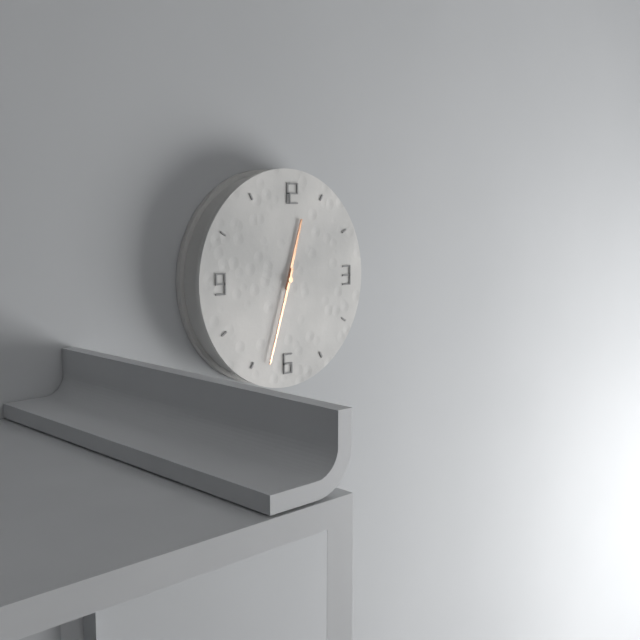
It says 12:33
